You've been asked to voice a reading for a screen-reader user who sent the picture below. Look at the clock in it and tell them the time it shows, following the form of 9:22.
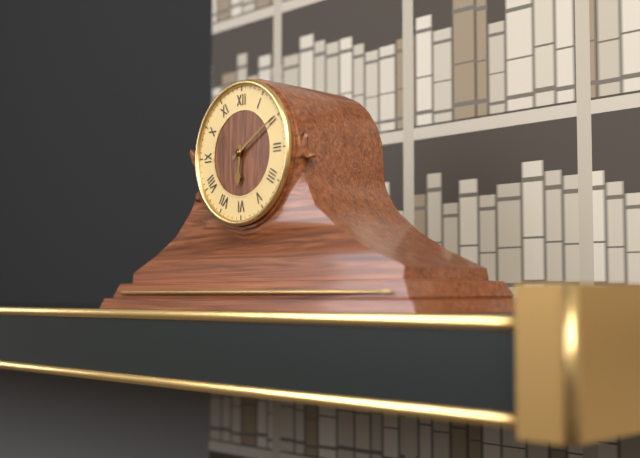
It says 6:10
